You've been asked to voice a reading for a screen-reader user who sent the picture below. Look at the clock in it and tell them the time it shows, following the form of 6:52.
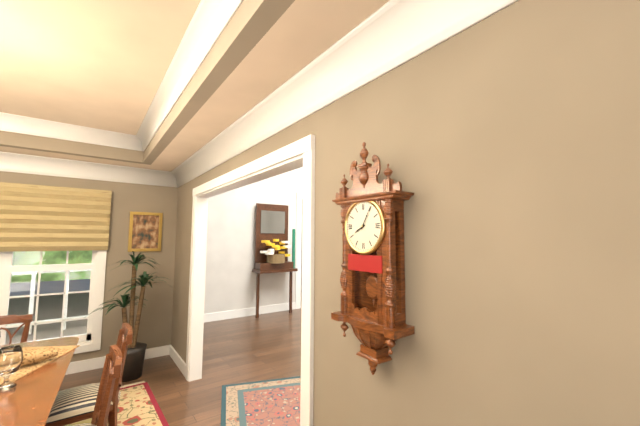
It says 8:05
